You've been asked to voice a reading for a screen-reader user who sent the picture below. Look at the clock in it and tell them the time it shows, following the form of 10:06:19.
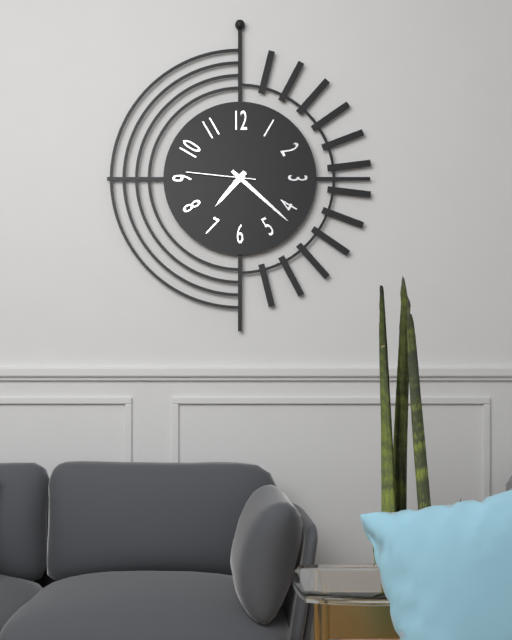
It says 7:22:46
